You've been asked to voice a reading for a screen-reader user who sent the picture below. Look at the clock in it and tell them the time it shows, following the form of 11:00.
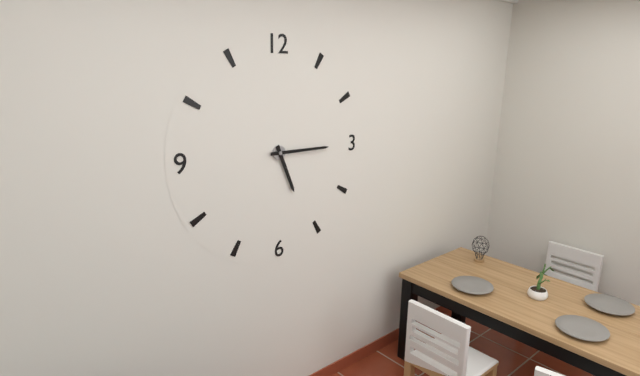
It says 5:15
